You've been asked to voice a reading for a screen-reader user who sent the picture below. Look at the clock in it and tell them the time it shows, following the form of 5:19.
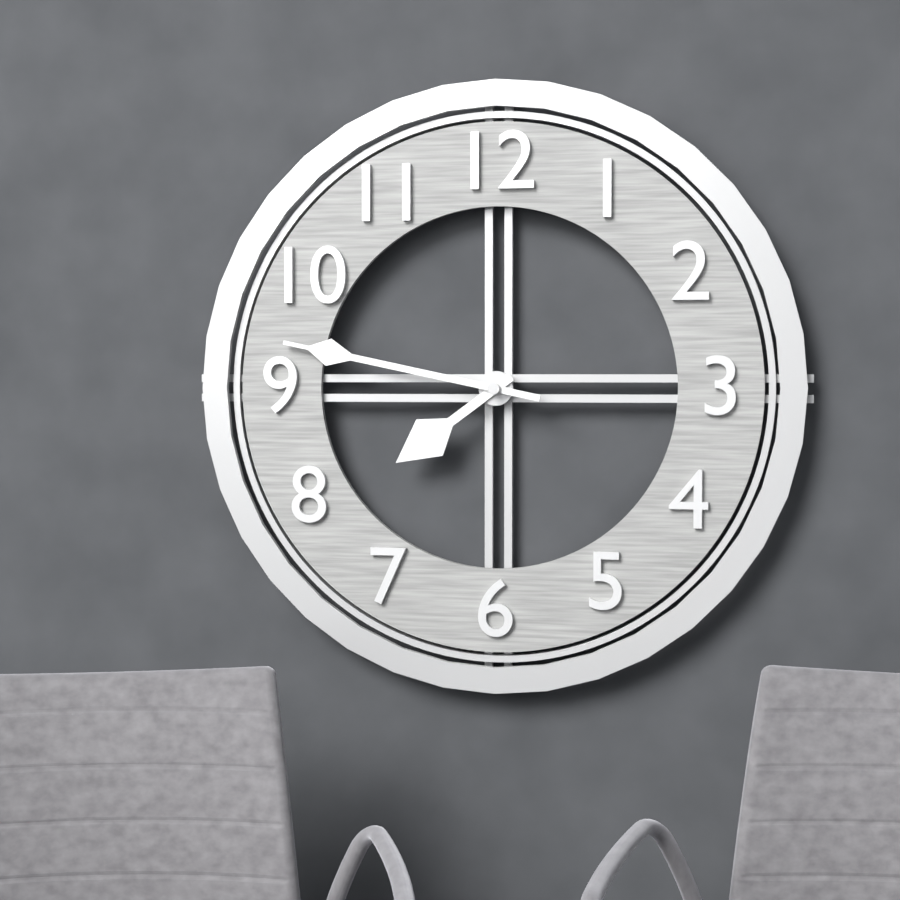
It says 7:47
